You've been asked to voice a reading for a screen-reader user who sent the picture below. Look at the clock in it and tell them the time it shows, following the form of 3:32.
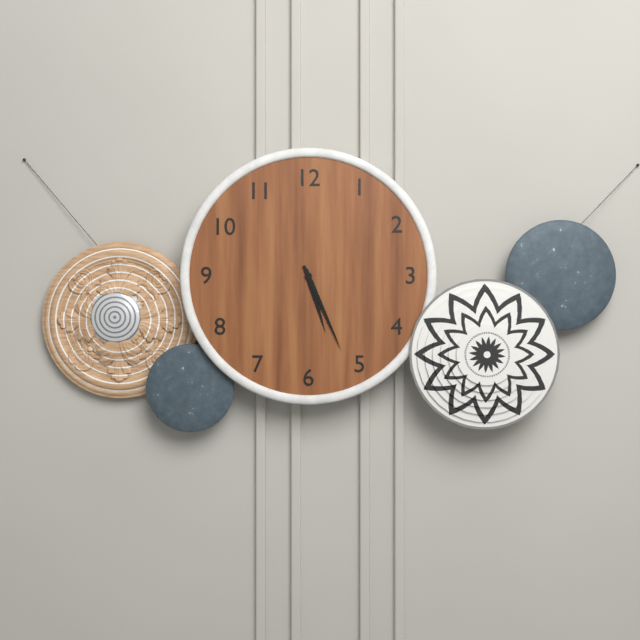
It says 5:26
